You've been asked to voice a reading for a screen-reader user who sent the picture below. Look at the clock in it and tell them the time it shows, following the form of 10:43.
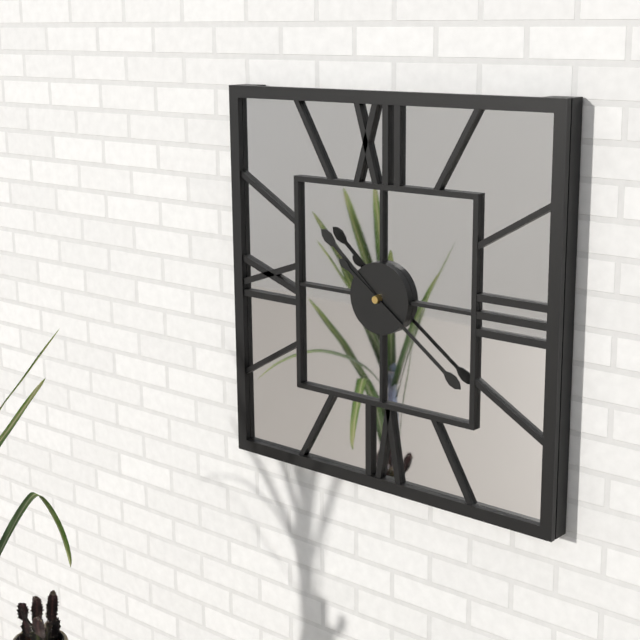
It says 10:21
